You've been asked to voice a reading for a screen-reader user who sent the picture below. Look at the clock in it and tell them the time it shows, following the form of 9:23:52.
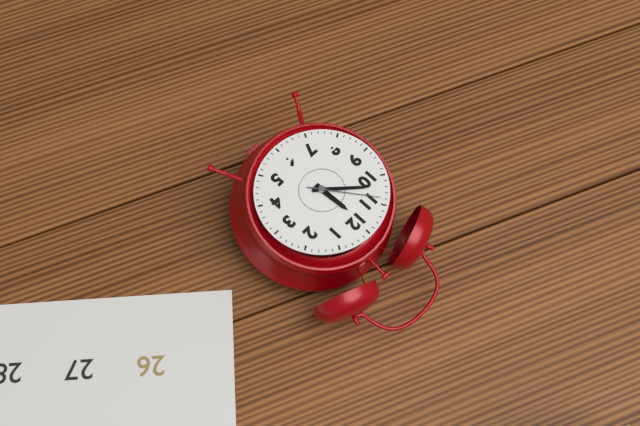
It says 11:52:54
